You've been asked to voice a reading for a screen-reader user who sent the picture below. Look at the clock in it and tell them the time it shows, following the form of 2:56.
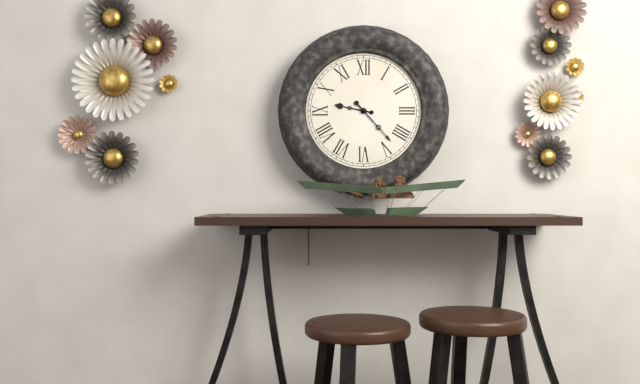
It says 9:23
